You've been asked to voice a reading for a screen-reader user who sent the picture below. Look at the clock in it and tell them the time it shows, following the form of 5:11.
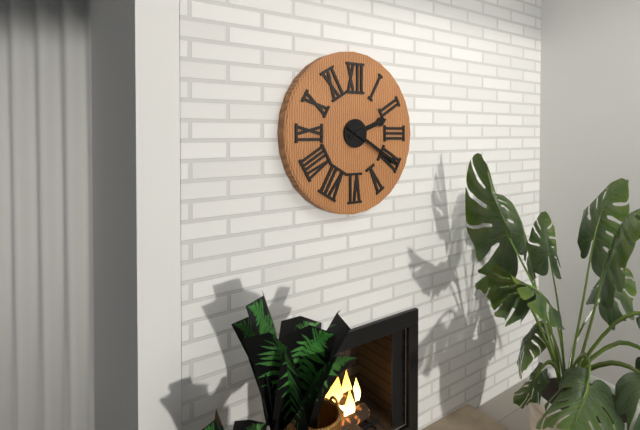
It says 2:20
